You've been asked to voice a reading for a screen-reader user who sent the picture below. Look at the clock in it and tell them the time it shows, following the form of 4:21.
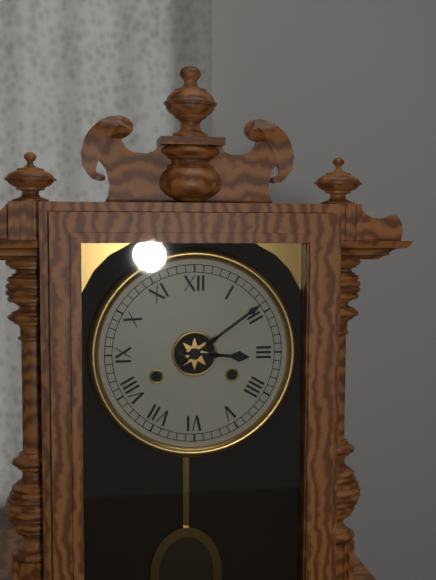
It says 3:09
